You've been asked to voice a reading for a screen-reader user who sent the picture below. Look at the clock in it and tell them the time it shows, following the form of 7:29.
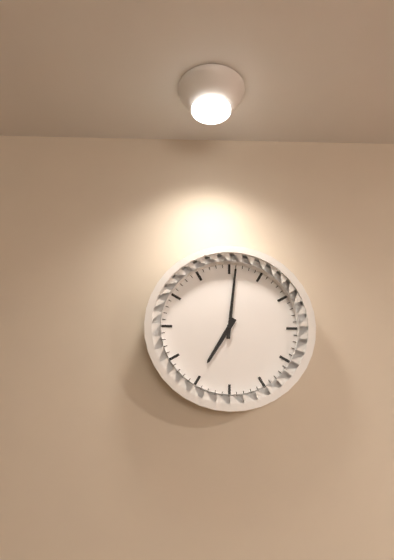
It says 7:01
